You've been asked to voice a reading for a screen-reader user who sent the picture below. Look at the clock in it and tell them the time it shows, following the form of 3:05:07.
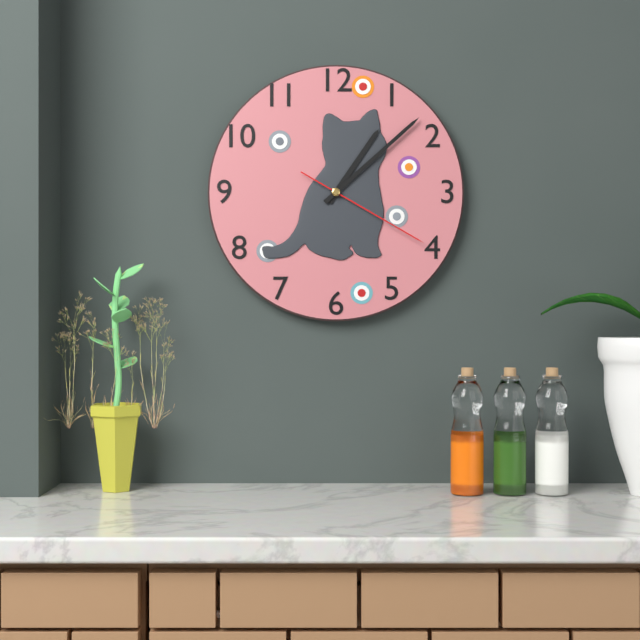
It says 1:08:20
